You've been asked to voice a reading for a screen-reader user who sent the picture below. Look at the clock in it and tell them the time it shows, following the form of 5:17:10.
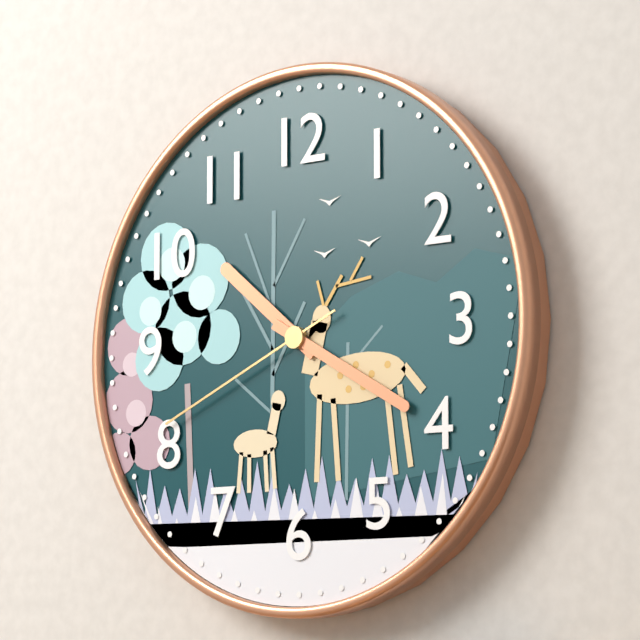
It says 10:20:41
